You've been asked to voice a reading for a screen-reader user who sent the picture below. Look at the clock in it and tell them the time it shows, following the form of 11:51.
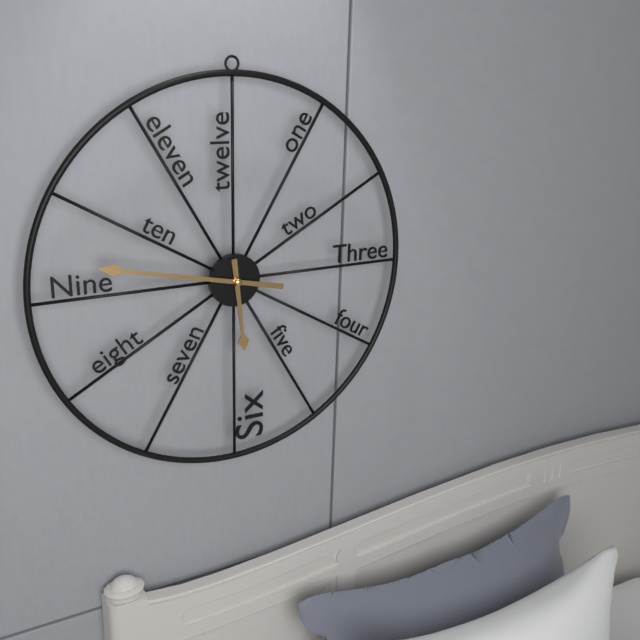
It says 5:47
